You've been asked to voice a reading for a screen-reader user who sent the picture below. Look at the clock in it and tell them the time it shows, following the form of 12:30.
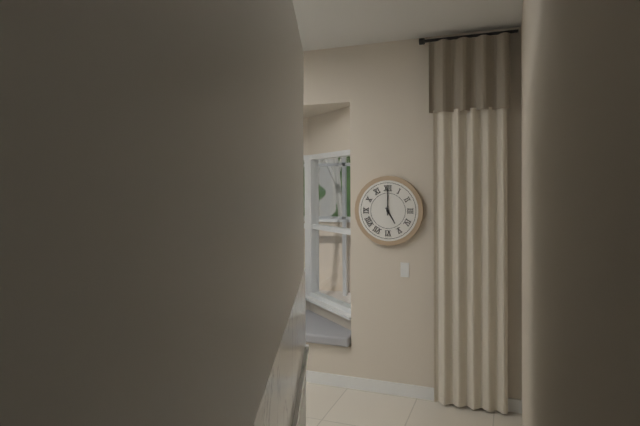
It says 5:00
